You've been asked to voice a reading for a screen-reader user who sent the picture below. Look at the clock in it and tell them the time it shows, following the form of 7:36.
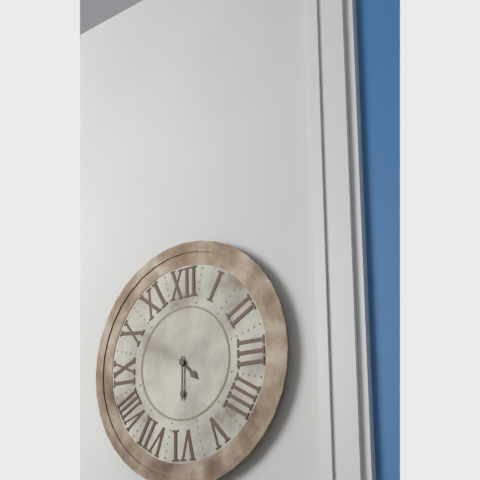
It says 4:30
